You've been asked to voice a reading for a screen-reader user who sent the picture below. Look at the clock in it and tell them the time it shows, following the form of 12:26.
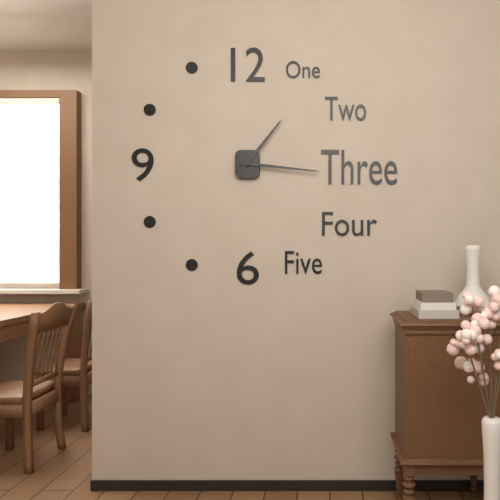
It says 1:16
